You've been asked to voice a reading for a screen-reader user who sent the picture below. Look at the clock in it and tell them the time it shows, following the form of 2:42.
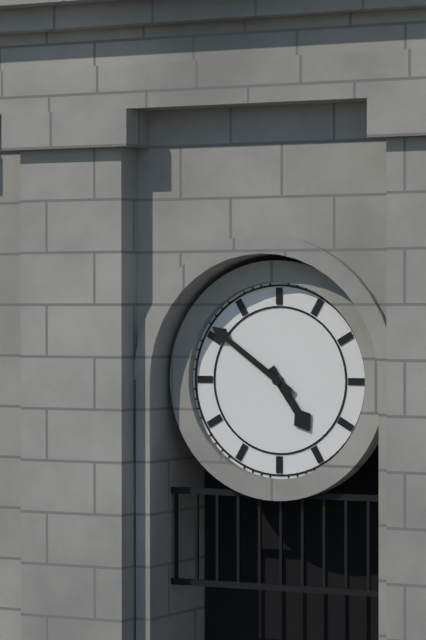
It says 4:51
